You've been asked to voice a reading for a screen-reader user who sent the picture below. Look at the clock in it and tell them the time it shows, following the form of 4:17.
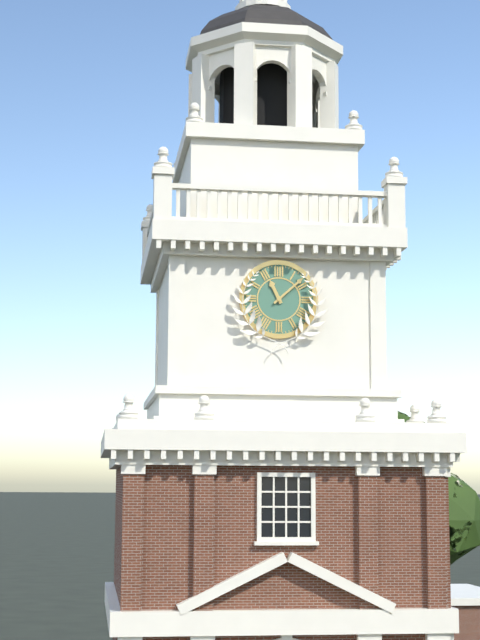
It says 11:08
